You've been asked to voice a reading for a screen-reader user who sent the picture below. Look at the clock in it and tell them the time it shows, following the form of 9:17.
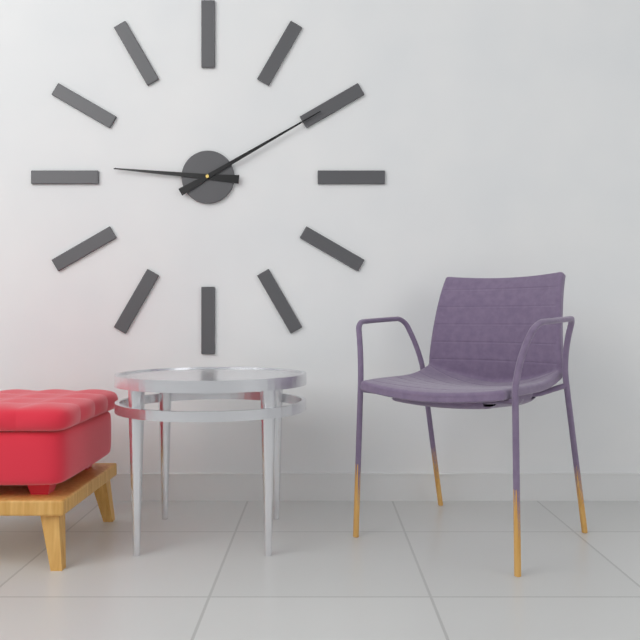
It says 9:10
